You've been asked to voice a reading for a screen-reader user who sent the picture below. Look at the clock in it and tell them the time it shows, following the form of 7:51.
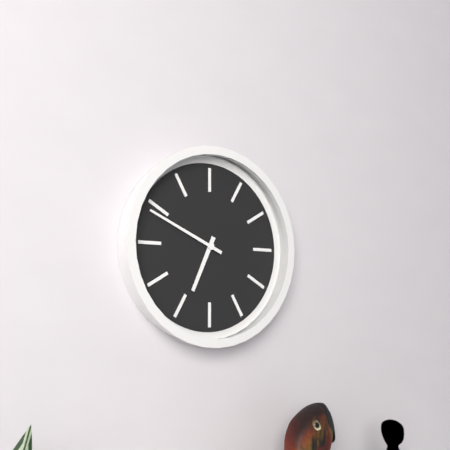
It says 6:49
